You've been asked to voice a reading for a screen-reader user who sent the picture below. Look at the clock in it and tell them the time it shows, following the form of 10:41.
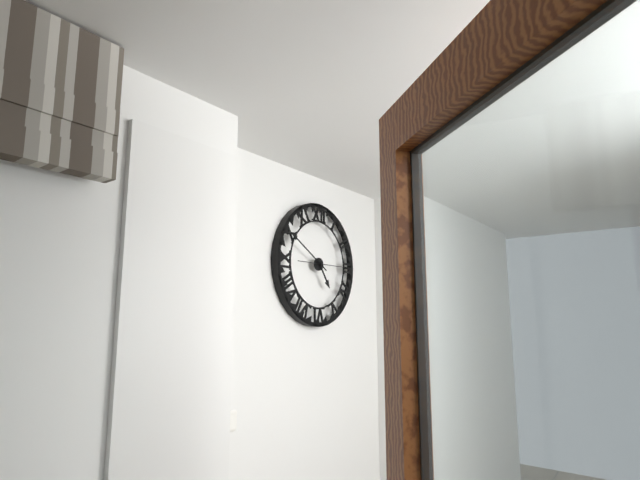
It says 4:50
